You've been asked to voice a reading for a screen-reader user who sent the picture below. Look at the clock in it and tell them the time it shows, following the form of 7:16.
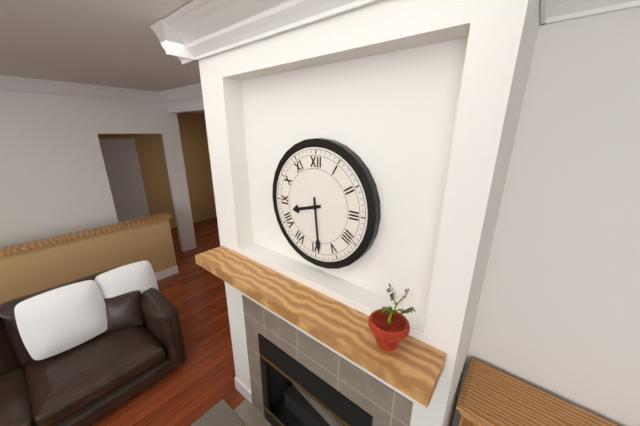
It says 8:29
